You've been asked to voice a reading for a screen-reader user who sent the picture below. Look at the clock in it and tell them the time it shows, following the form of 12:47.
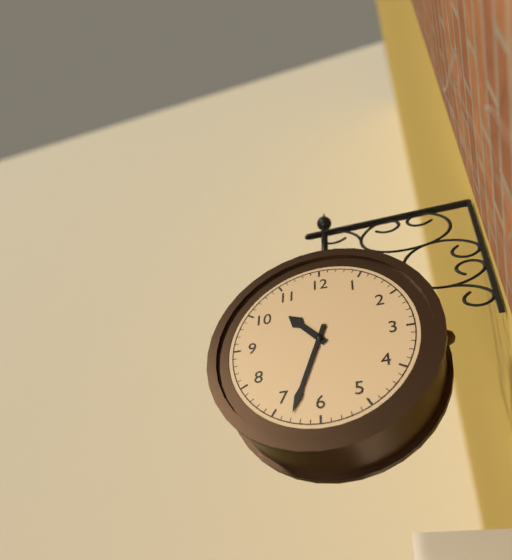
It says 10:33
